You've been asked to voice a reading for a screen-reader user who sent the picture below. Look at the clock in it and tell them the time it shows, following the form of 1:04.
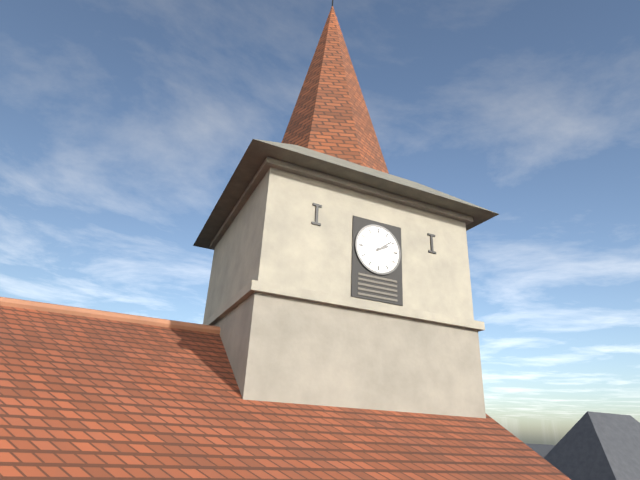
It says 2:09
